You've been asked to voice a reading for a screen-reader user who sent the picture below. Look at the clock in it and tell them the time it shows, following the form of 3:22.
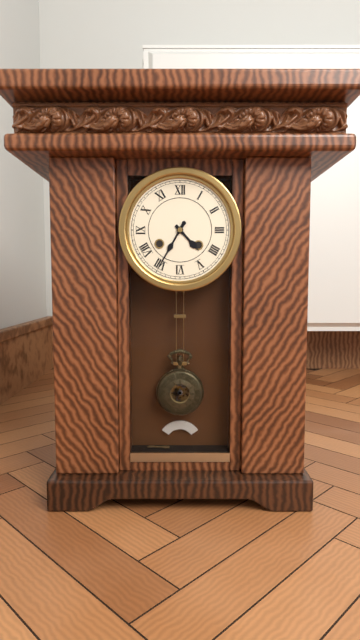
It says 4:35
